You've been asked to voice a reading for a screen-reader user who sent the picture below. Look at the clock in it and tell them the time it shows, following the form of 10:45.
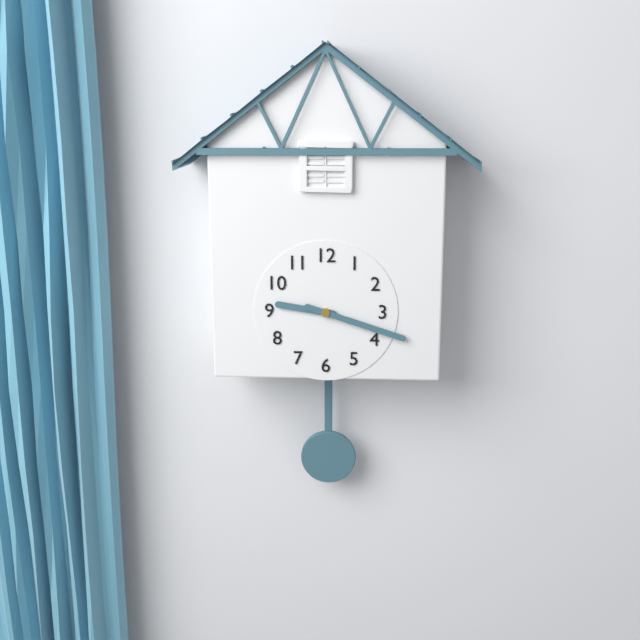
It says 9:18
